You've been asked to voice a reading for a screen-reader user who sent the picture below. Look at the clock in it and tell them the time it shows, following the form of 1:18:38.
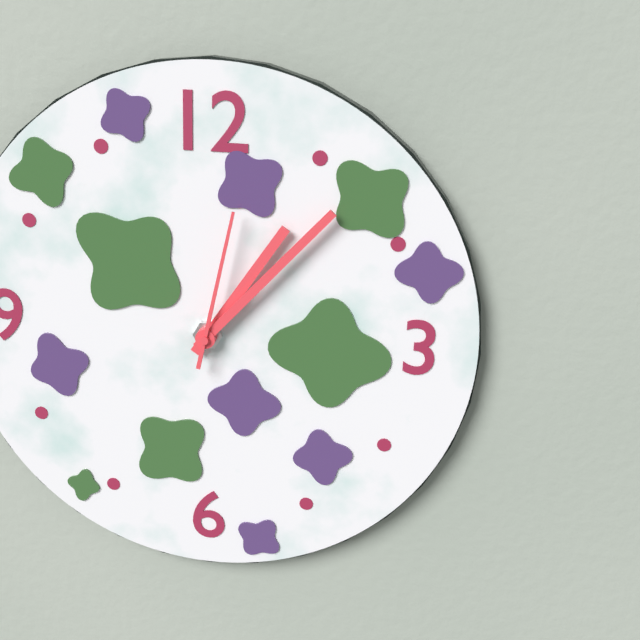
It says 1:07:02
